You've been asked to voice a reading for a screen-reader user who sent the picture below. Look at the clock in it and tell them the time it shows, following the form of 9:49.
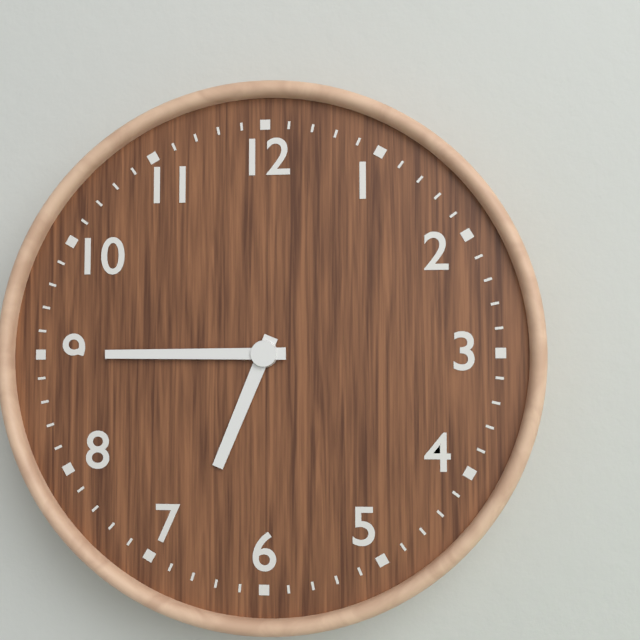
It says 6:45
